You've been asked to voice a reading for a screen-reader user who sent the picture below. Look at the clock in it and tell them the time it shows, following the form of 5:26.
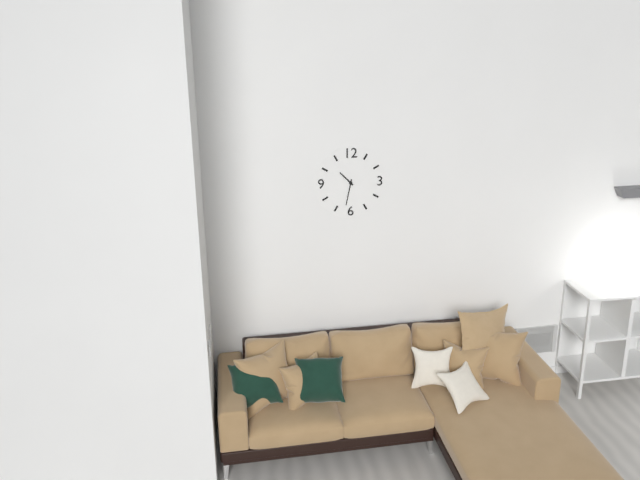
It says 10:32
